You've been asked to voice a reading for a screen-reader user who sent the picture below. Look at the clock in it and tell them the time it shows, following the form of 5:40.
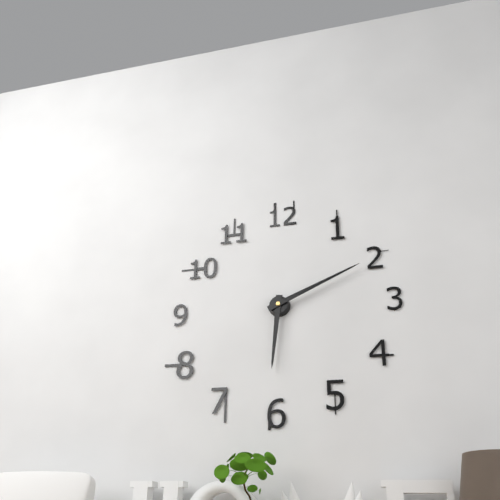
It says 6:11
